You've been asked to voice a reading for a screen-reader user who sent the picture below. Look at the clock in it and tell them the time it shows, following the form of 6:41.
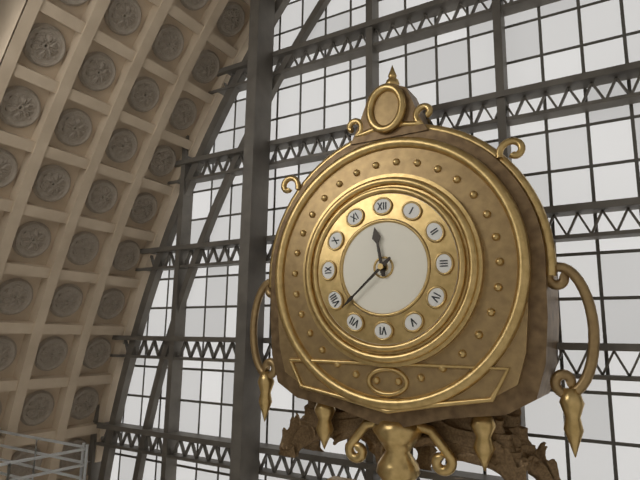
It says 11:38
